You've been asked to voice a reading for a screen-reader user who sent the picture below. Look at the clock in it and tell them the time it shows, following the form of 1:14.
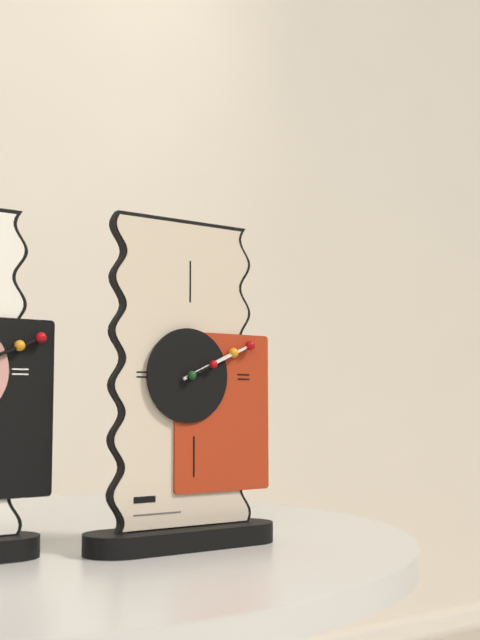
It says 2:11
